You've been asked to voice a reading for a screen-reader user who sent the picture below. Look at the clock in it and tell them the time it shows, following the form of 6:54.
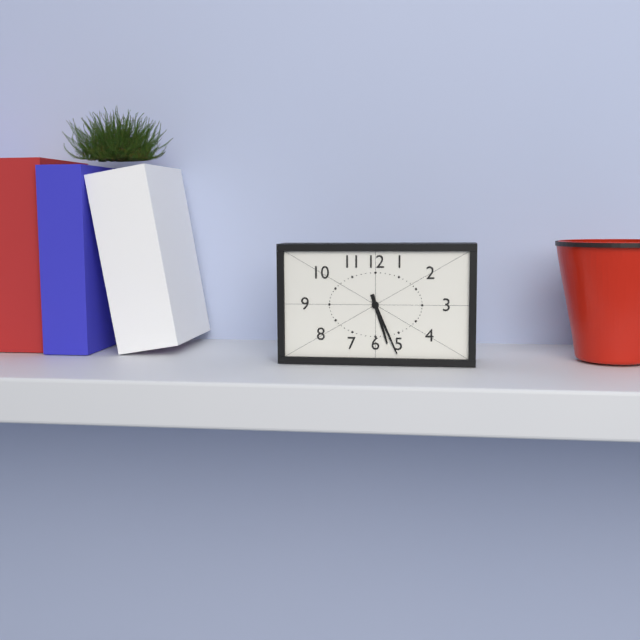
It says 5:26
